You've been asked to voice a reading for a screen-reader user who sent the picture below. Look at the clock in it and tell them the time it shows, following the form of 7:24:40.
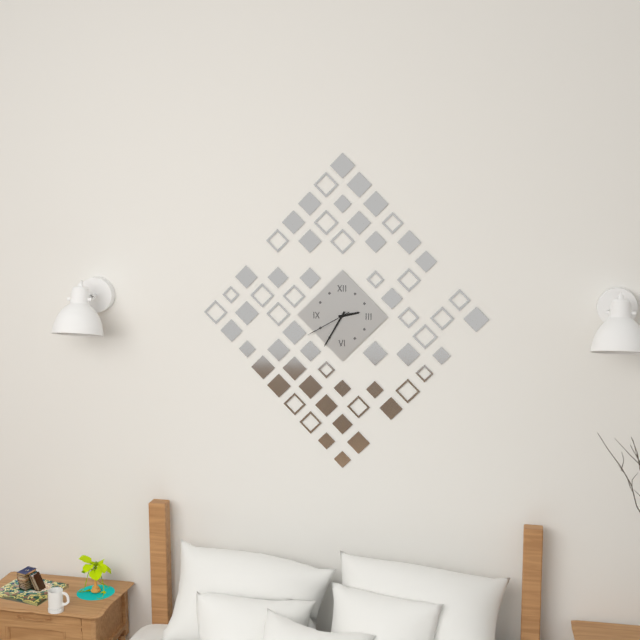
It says 2:35:40
